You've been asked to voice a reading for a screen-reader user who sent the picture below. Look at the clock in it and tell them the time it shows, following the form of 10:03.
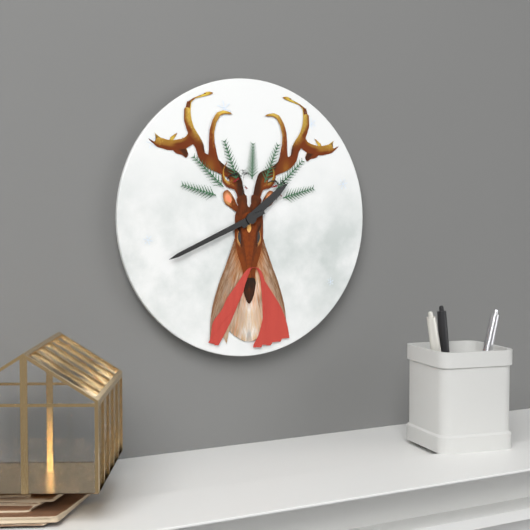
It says 1:41
